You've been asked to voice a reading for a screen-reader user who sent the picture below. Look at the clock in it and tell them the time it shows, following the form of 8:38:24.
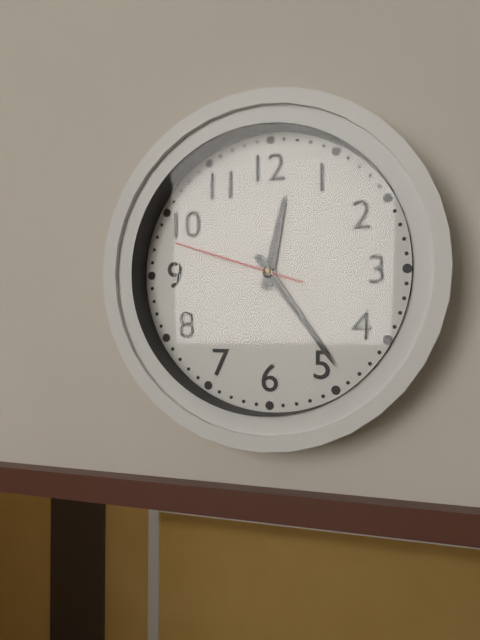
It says 12:24:48
